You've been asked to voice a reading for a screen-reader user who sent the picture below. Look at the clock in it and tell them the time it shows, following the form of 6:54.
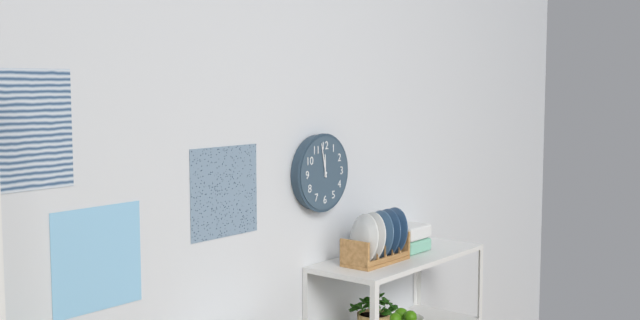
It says 11:58
